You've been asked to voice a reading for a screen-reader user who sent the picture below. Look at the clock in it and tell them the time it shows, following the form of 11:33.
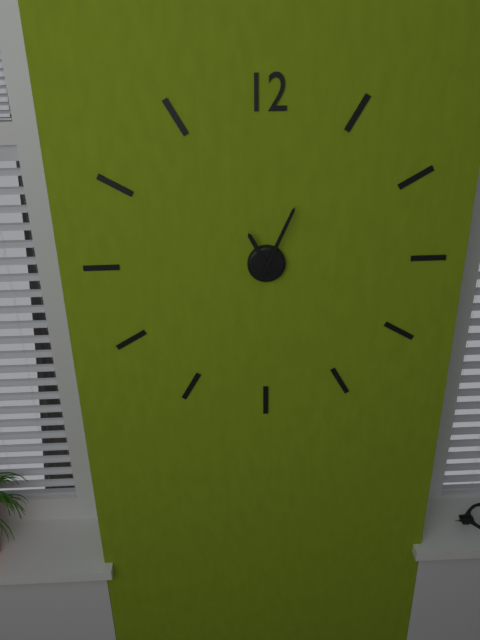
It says 11:04
